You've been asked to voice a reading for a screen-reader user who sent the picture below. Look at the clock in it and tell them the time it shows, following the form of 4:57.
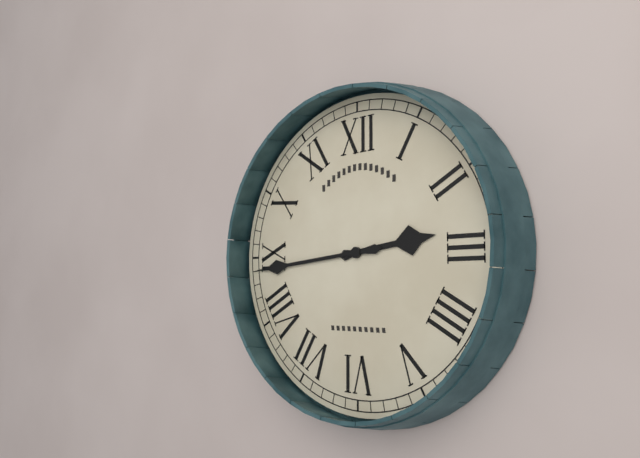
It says 2:44
